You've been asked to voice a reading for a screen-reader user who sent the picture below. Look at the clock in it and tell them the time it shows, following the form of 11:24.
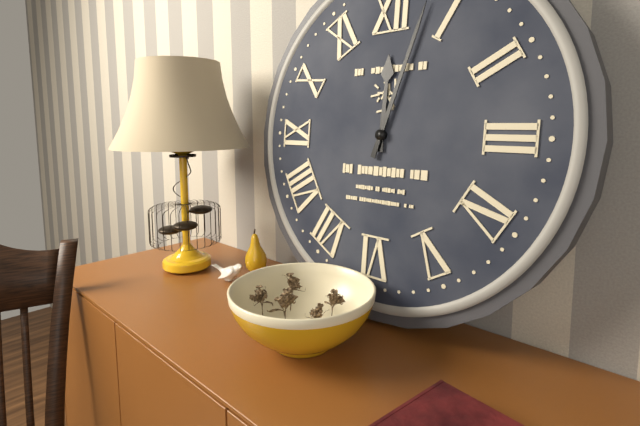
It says 12:03
